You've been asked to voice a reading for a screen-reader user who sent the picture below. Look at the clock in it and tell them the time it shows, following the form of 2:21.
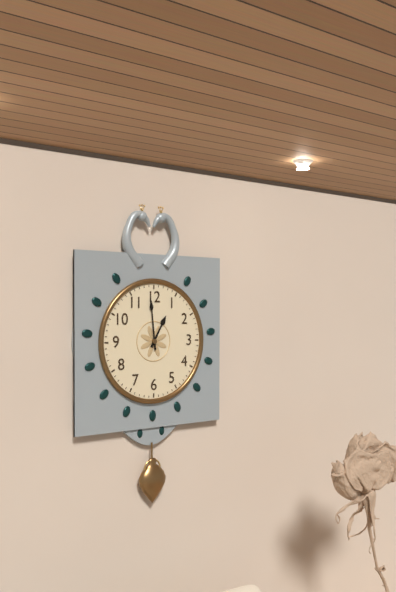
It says 12:59
